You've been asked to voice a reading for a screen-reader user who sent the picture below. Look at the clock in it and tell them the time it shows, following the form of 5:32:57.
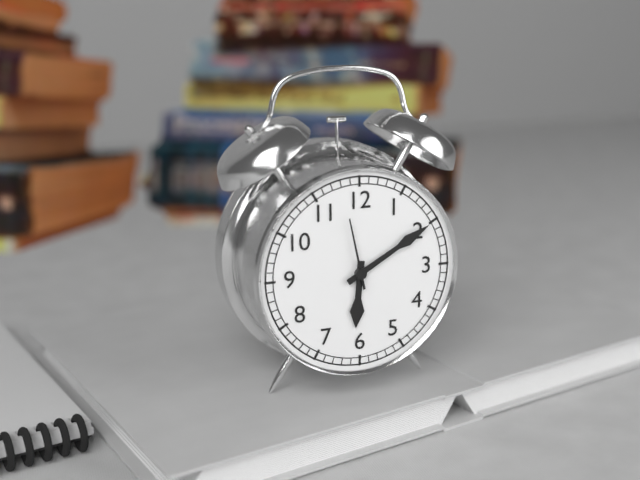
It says 6:10:58
